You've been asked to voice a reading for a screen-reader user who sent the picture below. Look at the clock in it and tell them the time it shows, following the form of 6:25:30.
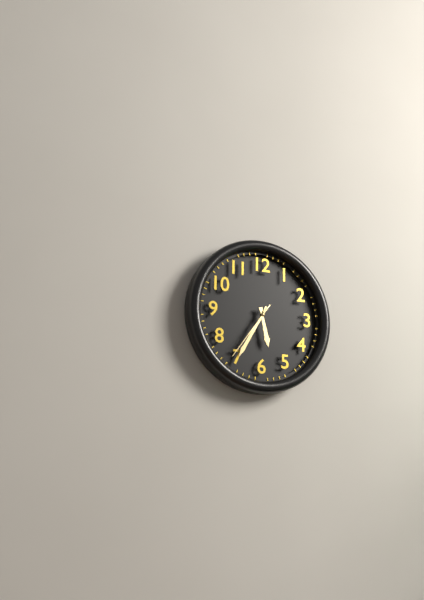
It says 5:35:36
